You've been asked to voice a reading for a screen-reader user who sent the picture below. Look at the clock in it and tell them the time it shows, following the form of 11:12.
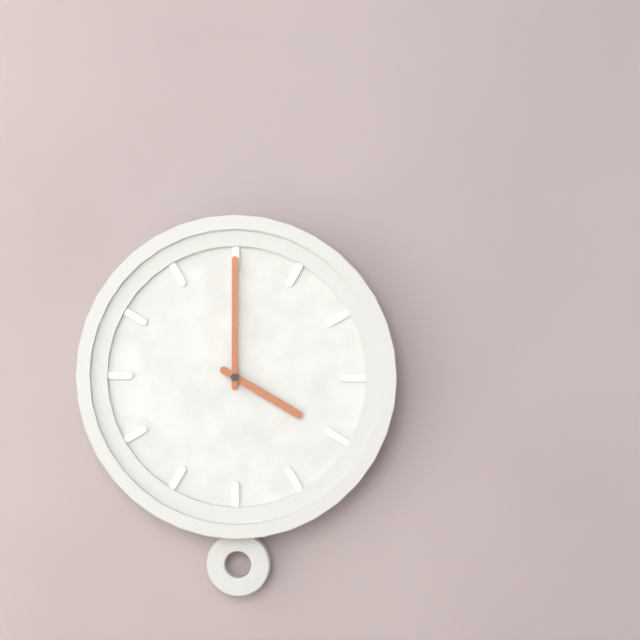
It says 4:00
